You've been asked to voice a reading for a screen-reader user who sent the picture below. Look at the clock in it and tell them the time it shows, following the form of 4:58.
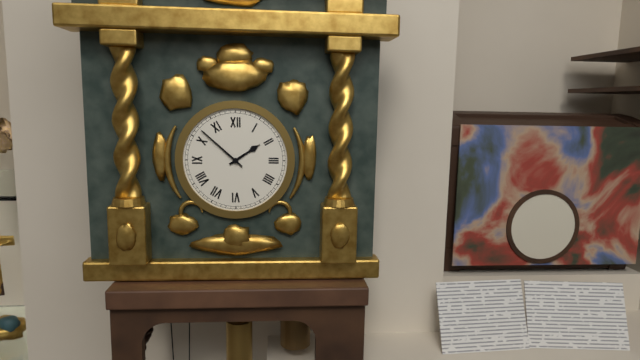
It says 1:52
